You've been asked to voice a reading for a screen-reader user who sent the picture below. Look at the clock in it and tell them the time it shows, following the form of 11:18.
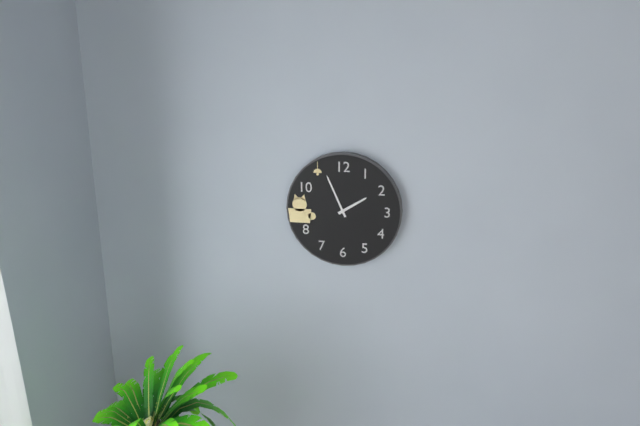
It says 1:56
